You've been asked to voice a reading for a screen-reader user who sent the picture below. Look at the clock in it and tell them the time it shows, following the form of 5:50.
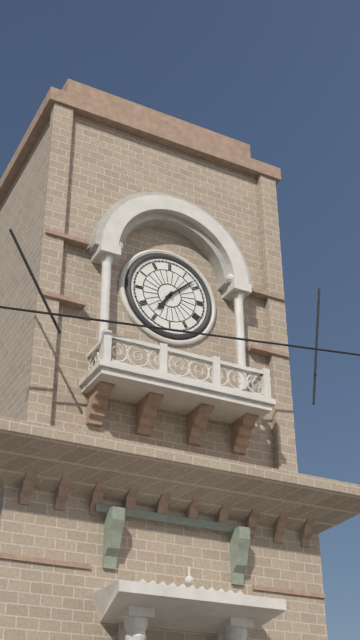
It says 7:08
